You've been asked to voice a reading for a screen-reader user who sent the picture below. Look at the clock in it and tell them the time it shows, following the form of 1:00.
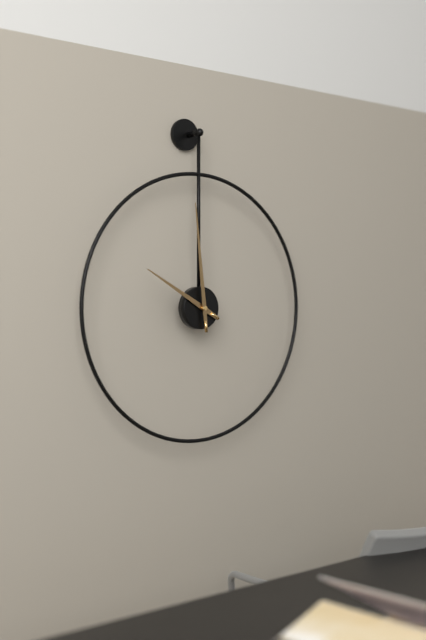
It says 9:59
